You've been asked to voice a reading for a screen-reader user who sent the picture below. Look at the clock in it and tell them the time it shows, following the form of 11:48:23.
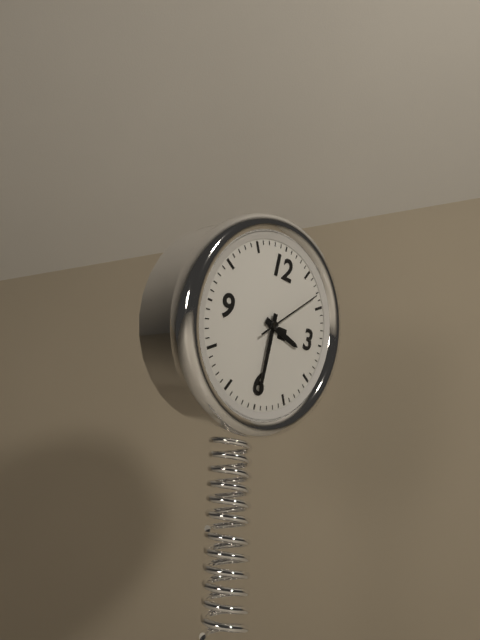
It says 3:30:08
